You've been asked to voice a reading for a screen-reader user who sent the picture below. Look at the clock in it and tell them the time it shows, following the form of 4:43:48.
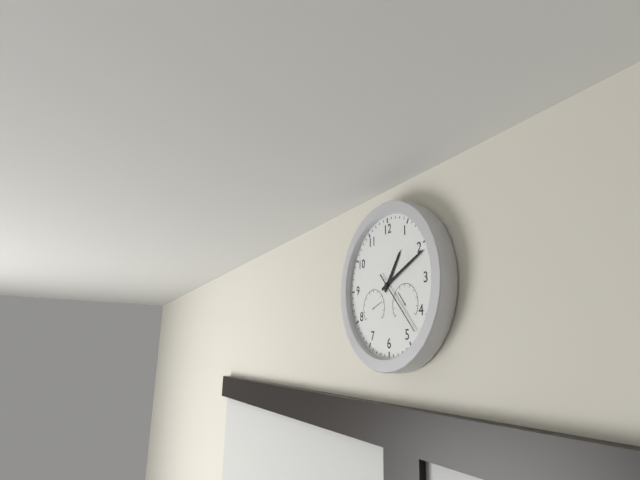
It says 1:11:23
